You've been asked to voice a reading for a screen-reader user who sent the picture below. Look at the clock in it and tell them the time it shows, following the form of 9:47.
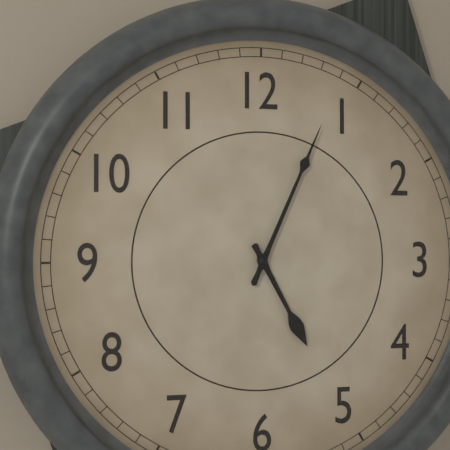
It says 5:04
